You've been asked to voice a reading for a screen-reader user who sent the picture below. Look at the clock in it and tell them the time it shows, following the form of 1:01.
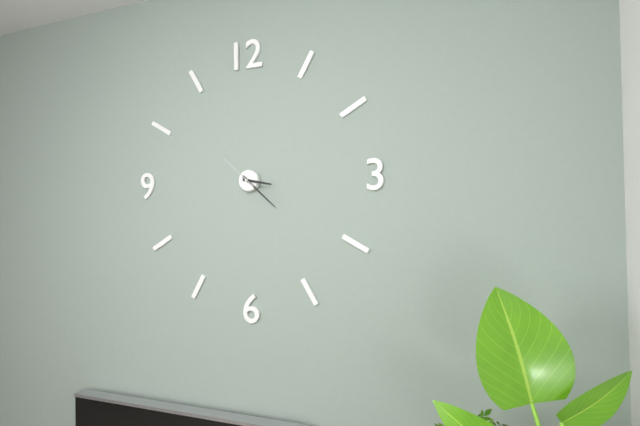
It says 3:22
